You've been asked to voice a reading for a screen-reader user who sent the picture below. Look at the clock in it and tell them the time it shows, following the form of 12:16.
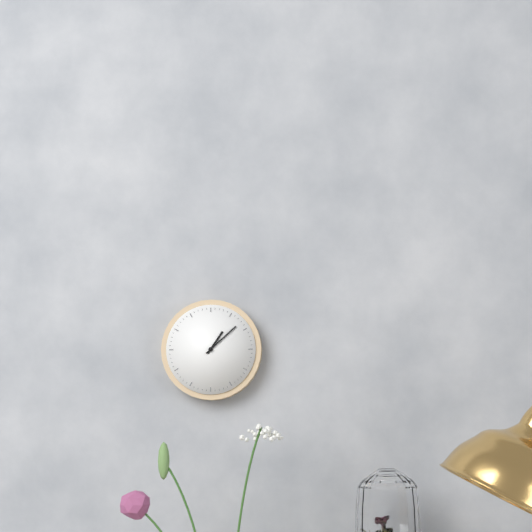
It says 1:08
